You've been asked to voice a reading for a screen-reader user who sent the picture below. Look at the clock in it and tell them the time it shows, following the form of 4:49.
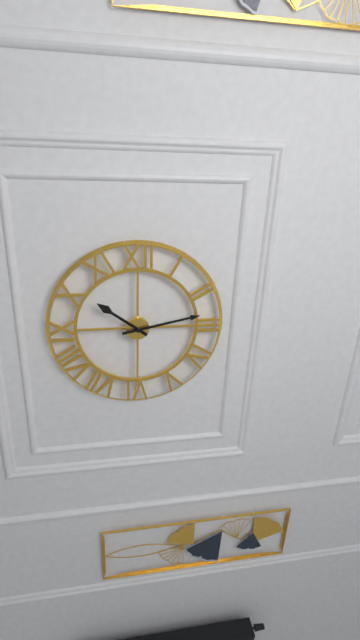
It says 10:13
